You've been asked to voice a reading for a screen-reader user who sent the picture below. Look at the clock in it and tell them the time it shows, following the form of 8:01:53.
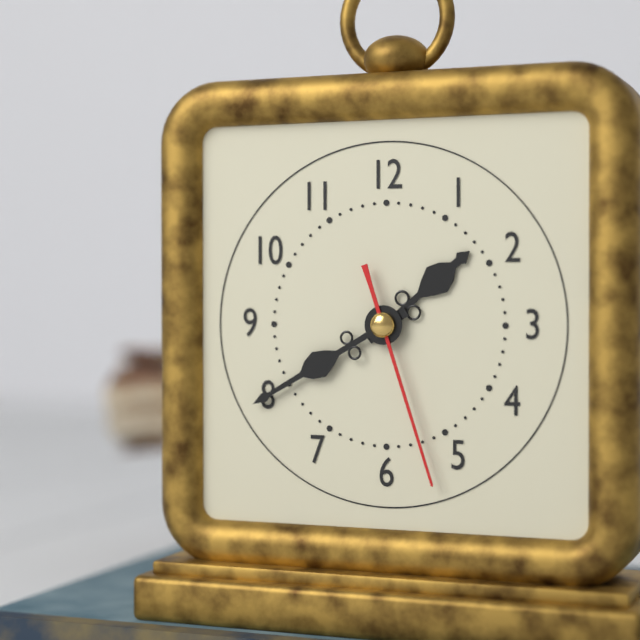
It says 1:40:27
